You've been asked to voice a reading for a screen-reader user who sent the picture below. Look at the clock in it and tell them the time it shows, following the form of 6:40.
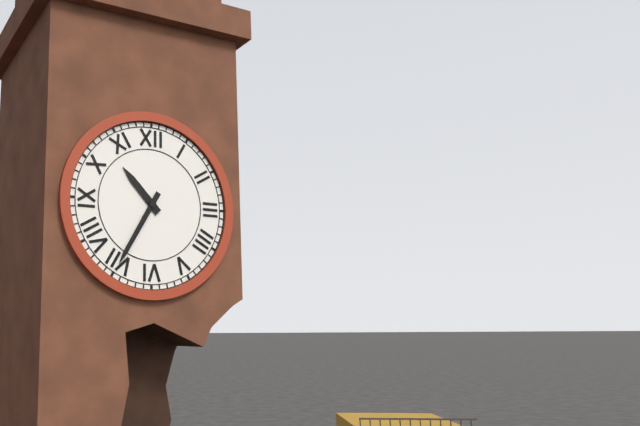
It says 10:35
